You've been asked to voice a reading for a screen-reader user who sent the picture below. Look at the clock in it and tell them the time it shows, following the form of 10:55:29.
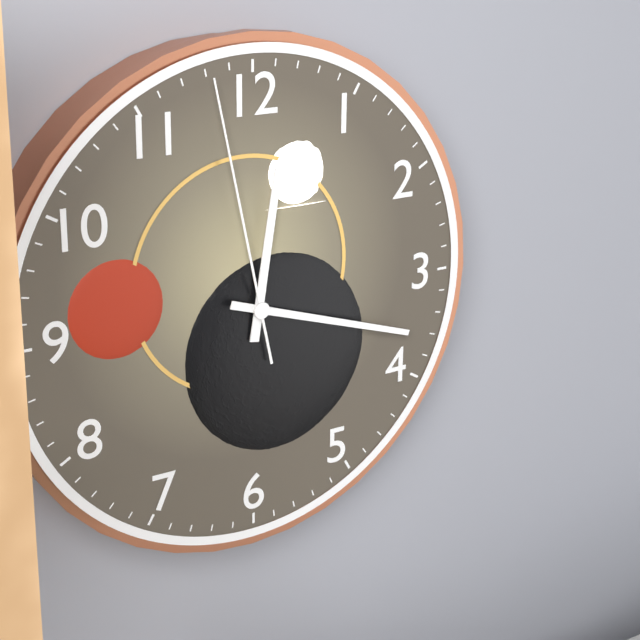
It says 12:18:58
